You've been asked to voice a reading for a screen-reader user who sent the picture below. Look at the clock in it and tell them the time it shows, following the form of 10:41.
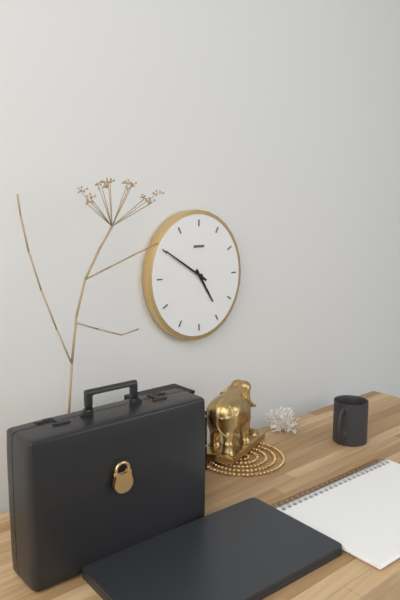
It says 4:50
